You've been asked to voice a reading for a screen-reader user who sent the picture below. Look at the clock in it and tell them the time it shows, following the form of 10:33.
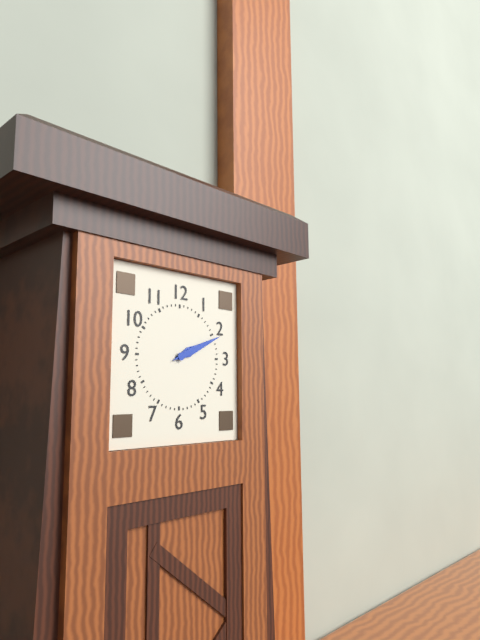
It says 2:11
